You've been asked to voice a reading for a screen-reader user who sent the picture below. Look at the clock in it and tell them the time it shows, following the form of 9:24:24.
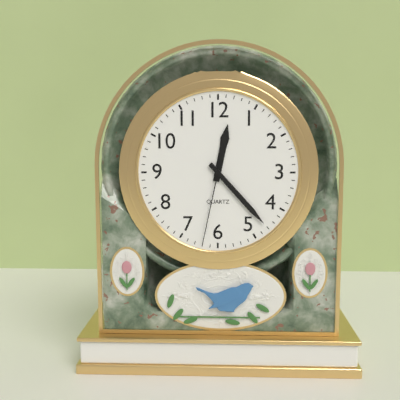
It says 12:23:32
